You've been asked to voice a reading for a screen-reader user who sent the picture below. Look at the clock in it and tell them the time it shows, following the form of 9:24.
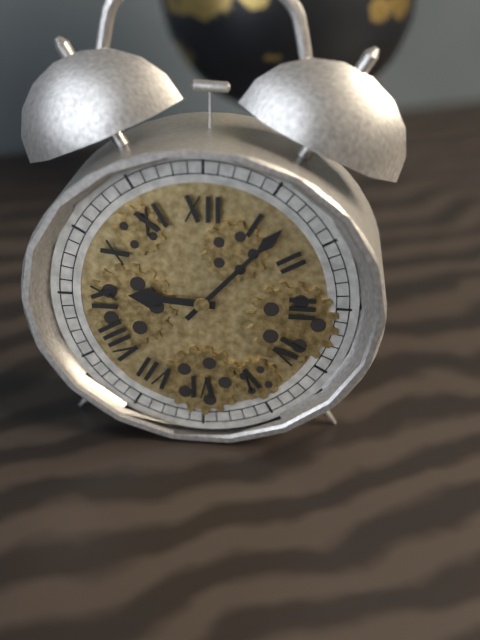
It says 9:07
